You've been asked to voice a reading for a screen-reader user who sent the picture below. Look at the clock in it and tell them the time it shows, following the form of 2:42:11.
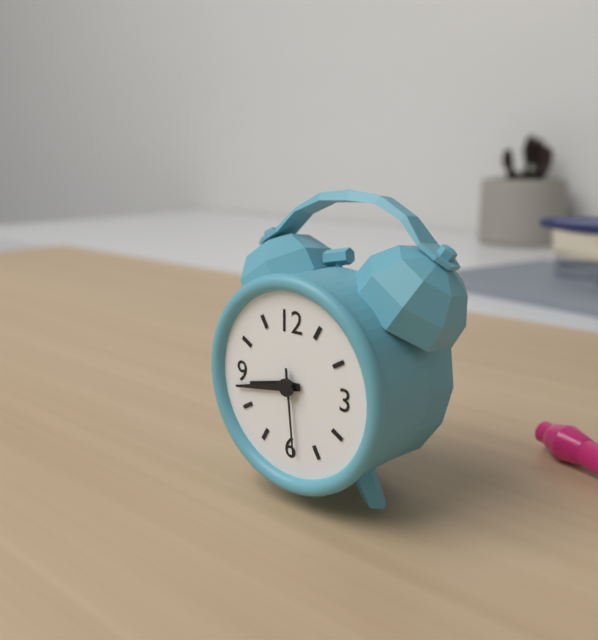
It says 8:43:29
